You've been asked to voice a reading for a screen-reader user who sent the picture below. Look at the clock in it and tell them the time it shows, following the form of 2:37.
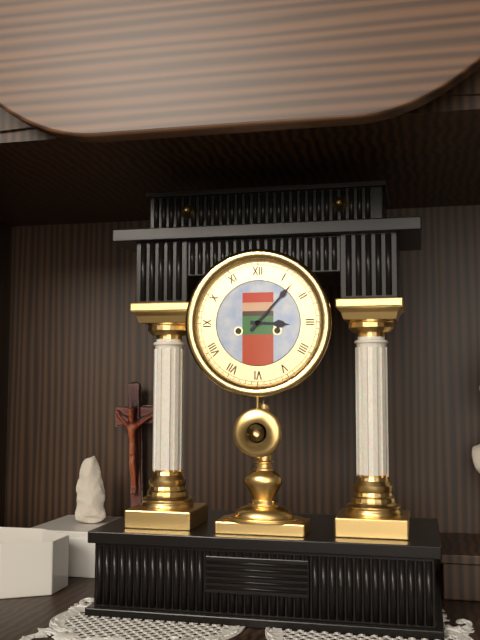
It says 3:07
